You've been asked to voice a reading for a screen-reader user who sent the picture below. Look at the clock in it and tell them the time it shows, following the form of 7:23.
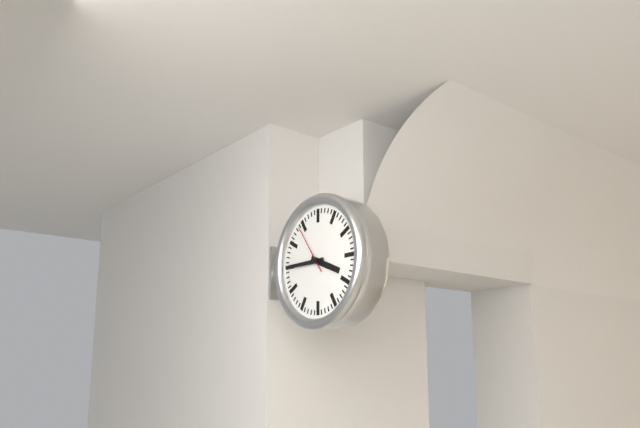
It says 3:45
